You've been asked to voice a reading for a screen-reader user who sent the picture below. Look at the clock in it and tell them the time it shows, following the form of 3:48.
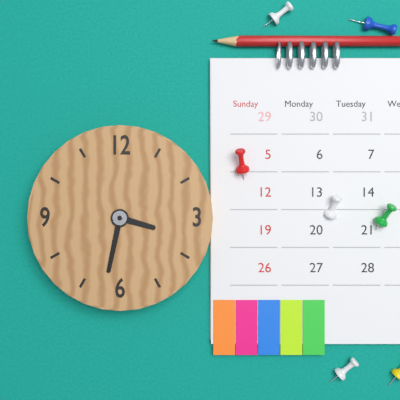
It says 3:32
